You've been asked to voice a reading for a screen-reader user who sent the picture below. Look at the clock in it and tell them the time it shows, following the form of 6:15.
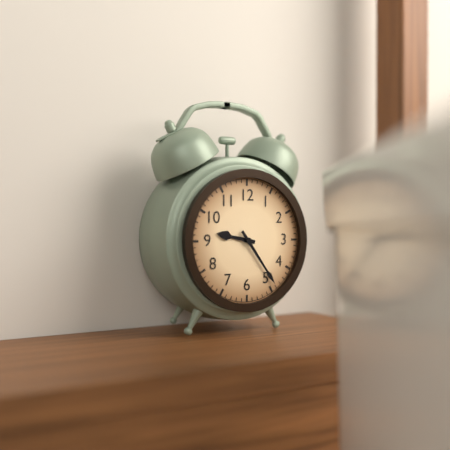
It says 9:24
